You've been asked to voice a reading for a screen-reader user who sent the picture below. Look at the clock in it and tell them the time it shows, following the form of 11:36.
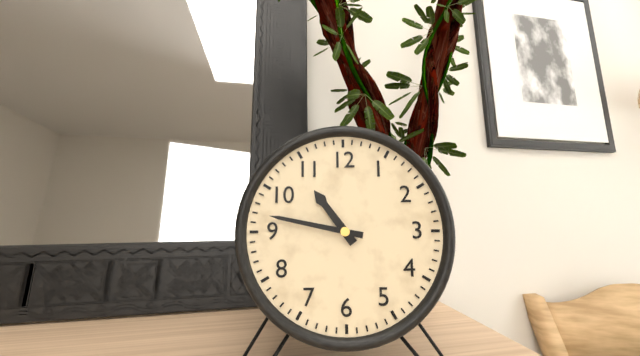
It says 10:47
